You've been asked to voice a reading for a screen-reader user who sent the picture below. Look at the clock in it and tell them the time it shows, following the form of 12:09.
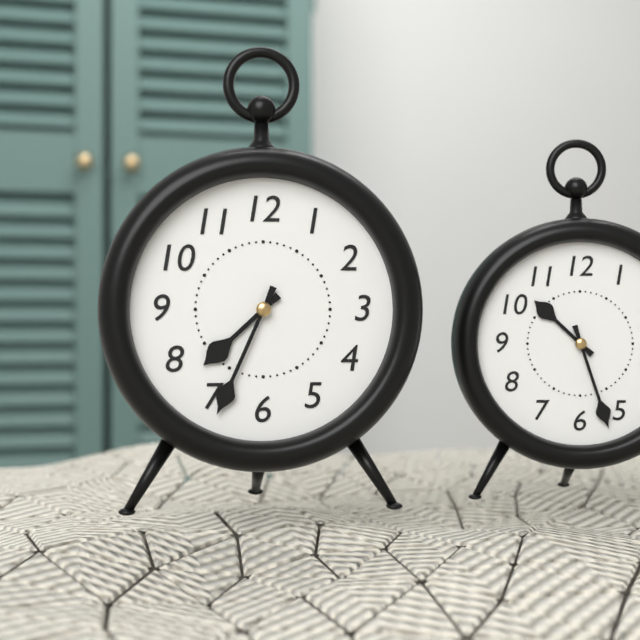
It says 7:34
